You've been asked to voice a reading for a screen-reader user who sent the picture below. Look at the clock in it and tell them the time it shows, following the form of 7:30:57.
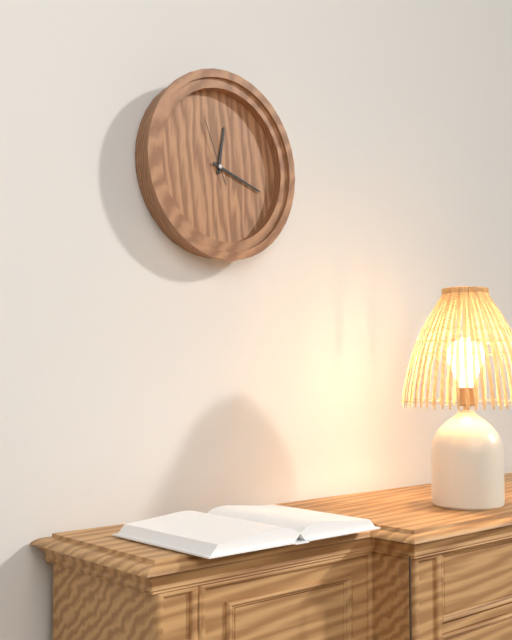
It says 12:18:56
